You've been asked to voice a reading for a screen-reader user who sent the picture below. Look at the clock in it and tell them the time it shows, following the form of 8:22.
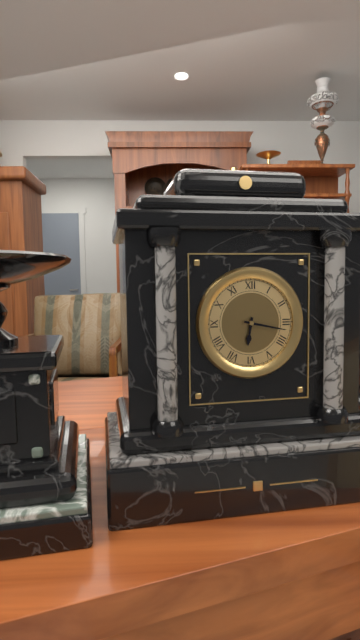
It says 6:17
